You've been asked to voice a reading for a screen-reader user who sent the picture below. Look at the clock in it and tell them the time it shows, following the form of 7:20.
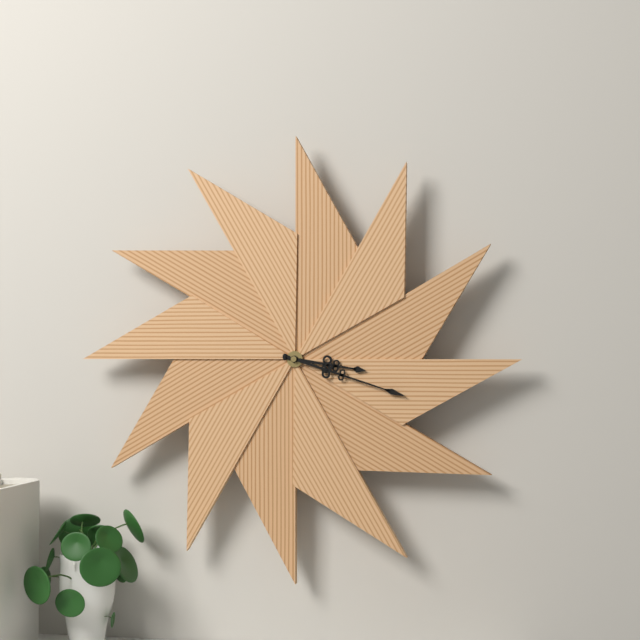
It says 3:18
